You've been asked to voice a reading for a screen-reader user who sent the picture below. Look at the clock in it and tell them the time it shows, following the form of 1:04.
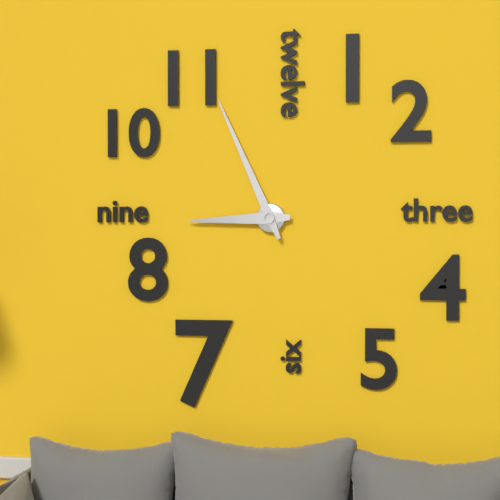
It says 8:56
